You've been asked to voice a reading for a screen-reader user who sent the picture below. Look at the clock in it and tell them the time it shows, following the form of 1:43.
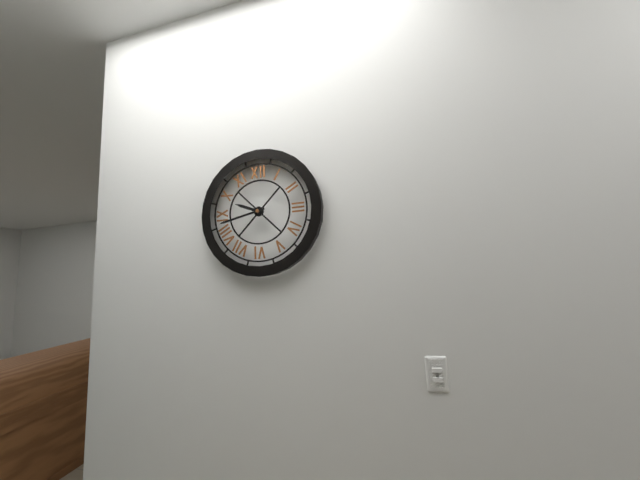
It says 9:43
